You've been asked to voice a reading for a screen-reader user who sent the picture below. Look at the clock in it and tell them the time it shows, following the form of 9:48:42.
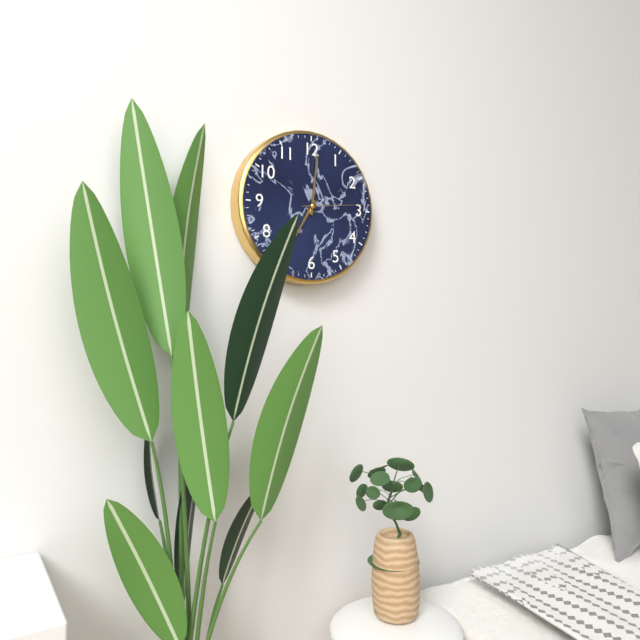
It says 7:01:14
